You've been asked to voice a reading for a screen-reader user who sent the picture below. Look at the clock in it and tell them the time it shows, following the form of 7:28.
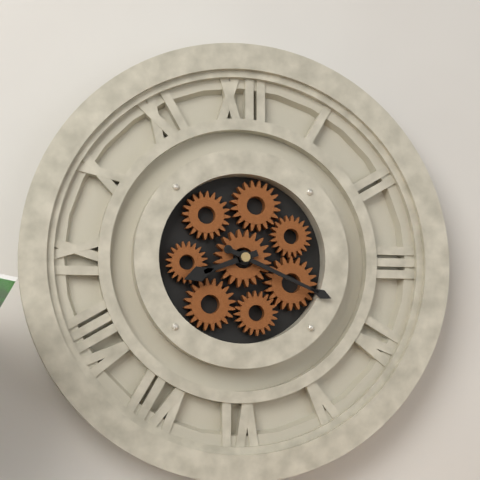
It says 8:19
